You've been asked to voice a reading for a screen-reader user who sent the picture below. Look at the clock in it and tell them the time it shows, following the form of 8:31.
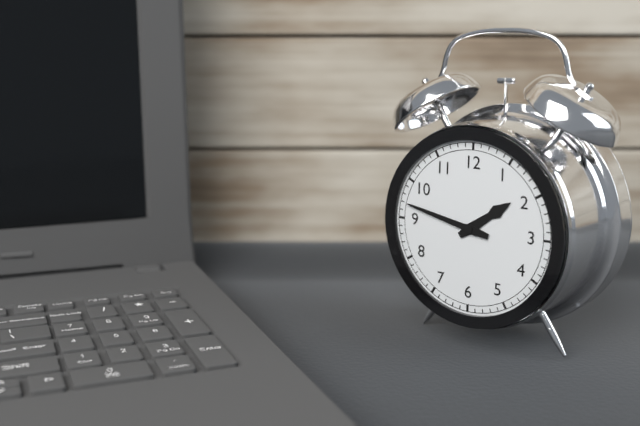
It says 1:47
